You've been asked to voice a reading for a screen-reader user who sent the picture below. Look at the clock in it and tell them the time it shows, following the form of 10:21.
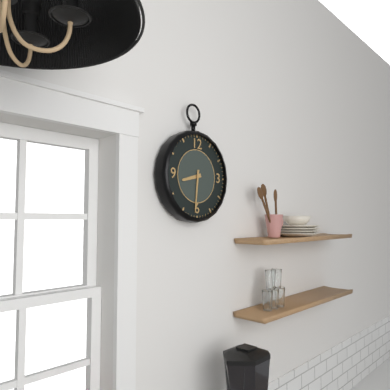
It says 8:31
